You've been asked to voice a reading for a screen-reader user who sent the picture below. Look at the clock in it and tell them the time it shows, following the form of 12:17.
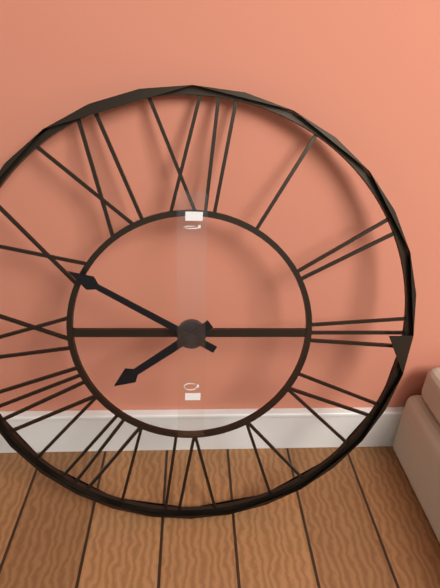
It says 7:50
